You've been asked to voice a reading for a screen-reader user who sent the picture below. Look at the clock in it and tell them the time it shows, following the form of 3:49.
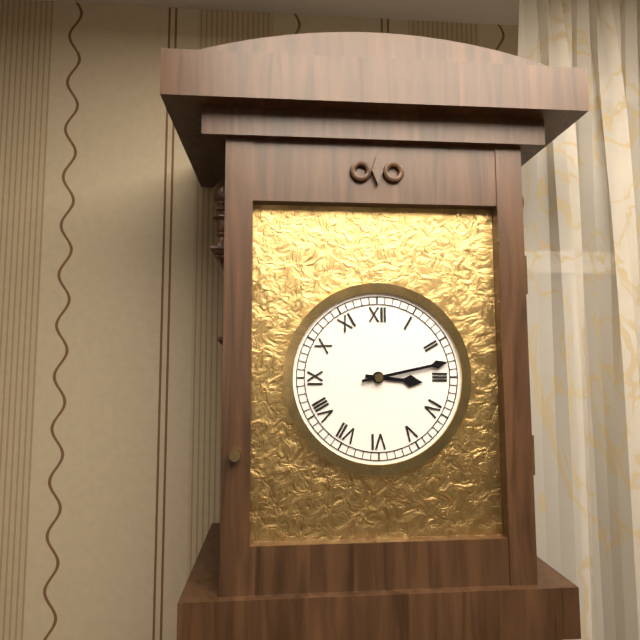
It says 3:13
